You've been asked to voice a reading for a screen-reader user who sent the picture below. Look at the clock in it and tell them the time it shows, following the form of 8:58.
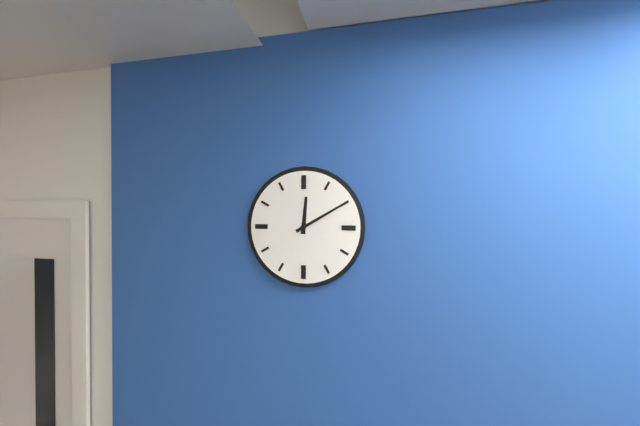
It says 12:10
